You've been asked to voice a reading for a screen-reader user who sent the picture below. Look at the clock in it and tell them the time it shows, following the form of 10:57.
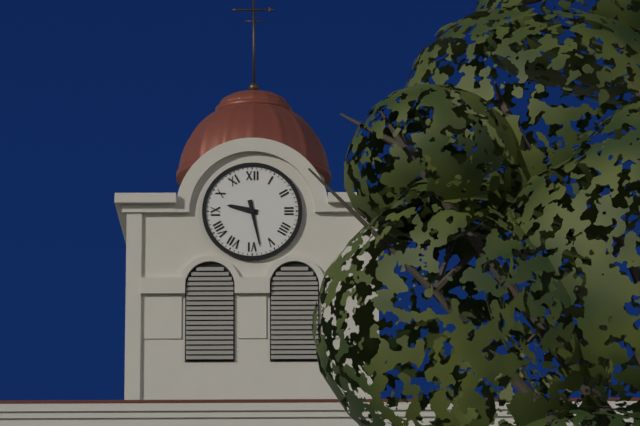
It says 9:28
